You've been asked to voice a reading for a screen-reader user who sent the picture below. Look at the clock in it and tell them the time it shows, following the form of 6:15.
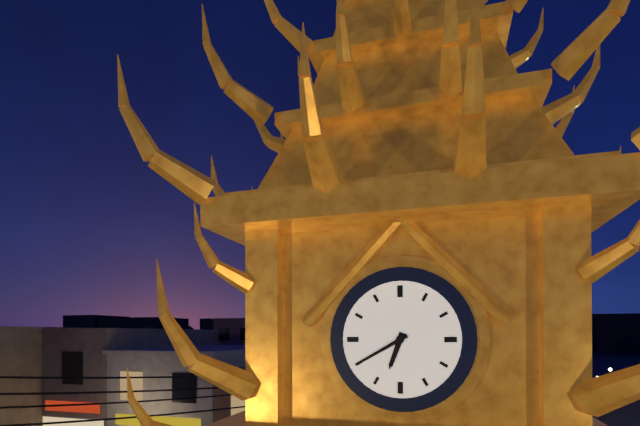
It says 6:40
